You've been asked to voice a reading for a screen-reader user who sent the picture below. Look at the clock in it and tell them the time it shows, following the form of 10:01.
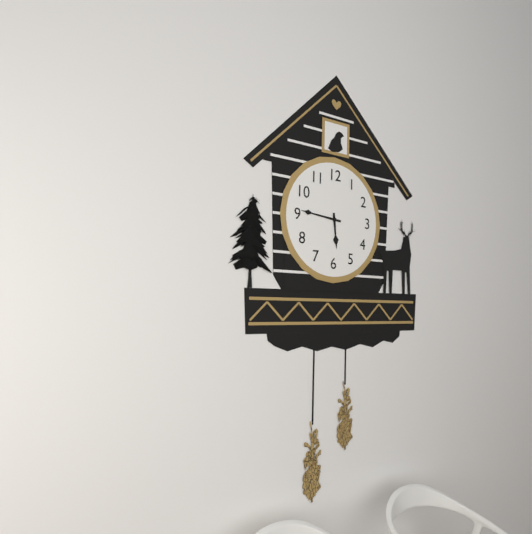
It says 5:46
